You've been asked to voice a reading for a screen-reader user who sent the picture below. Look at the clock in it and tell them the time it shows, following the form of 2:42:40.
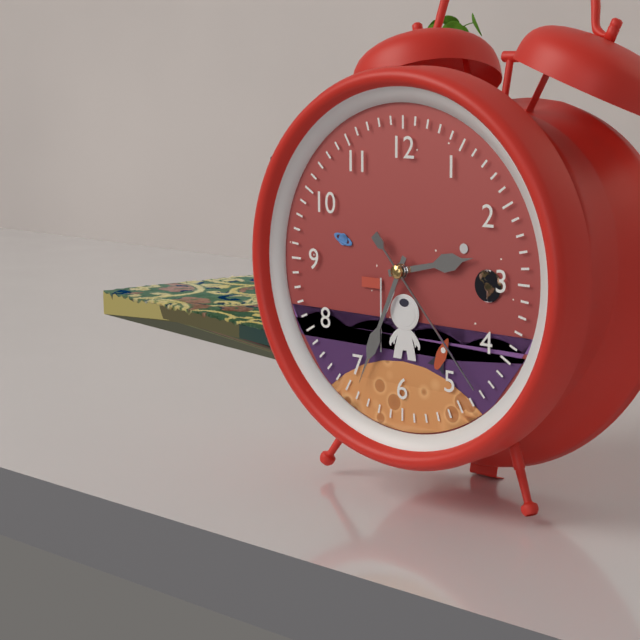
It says 2:34:23
